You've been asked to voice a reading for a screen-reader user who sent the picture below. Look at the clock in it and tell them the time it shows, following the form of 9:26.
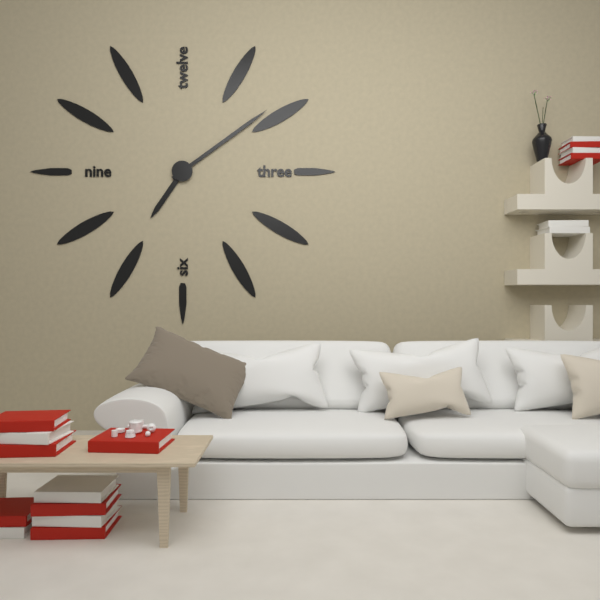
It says 7:09
